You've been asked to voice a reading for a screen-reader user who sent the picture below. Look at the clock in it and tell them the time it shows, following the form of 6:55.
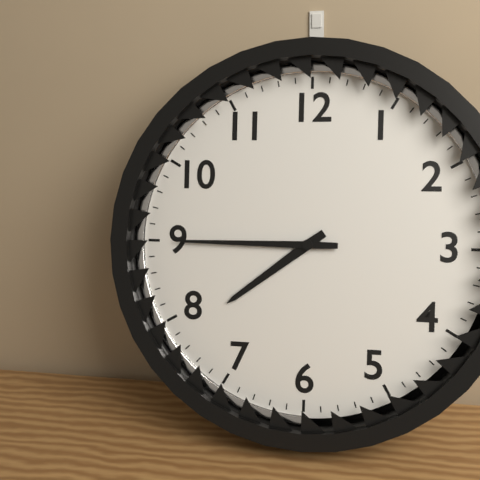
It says 7:45
